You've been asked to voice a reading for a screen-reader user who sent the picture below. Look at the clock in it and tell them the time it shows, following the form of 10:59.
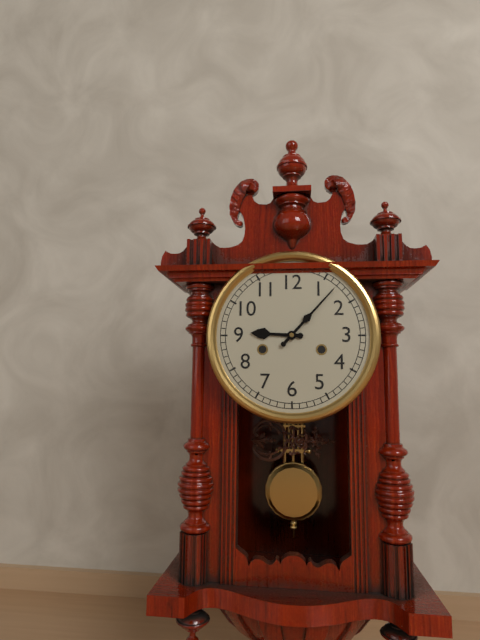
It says 9:07
